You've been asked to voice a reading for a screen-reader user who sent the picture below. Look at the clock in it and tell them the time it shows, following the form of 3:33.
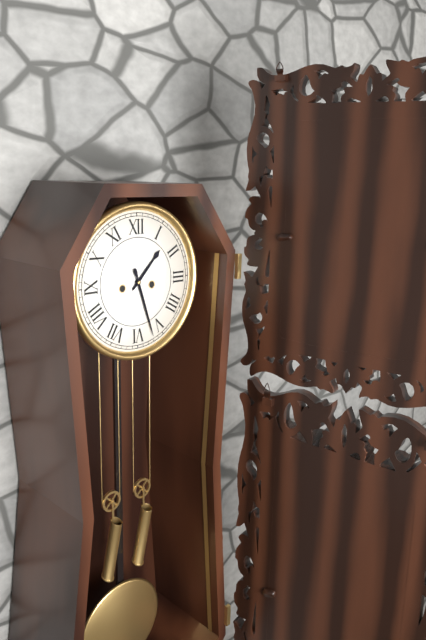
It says 1:27
